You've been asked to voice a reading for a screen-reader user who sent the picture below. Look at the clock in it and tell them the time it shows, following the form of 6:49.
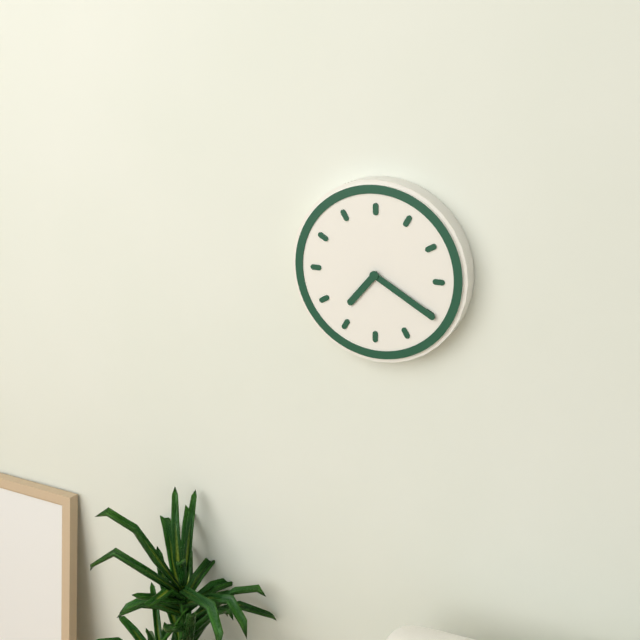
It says 7:20
